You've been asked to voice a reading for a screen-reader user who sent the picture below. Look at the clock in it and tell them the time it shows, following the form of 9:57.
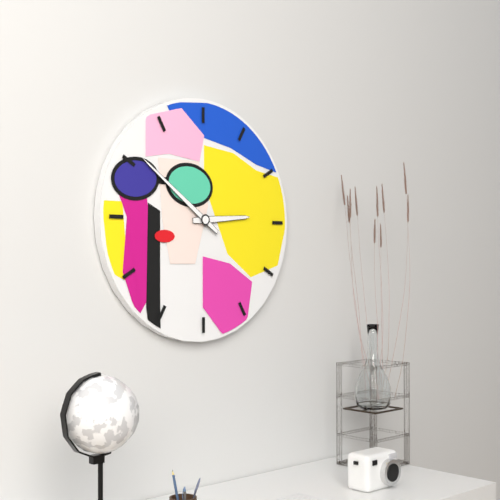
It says 2:51
